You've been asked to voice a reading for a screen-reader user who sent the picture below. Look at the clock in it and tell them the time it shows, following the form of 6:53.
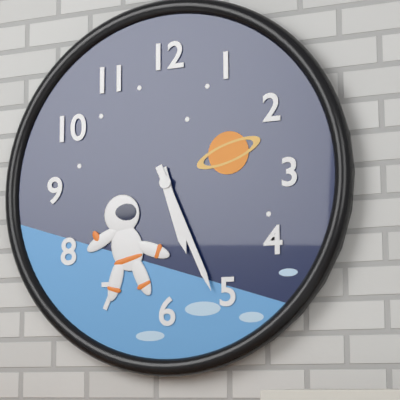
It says 5:26
